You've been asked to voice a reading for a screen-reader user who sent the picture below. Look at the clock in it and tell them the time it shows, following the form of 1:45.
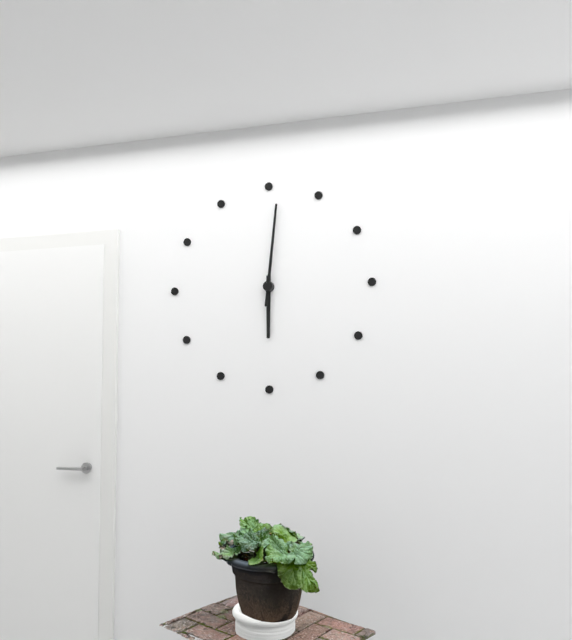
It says 6:01
